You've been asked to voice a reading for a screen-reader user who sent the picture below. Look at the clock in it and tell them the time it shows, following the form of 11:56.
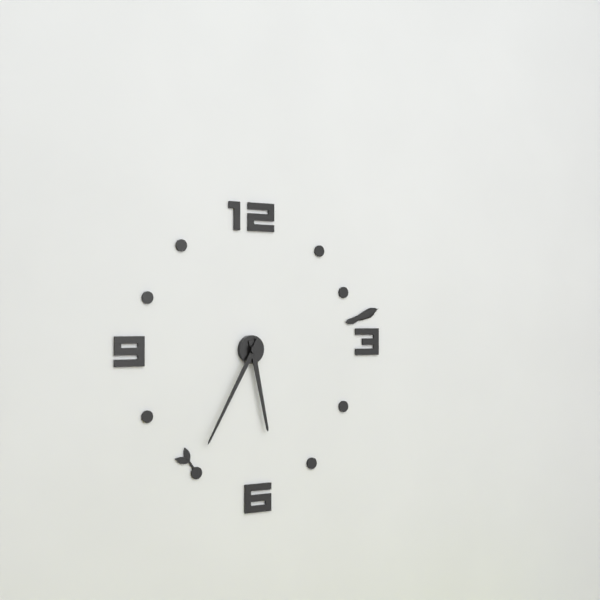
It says 5:35
